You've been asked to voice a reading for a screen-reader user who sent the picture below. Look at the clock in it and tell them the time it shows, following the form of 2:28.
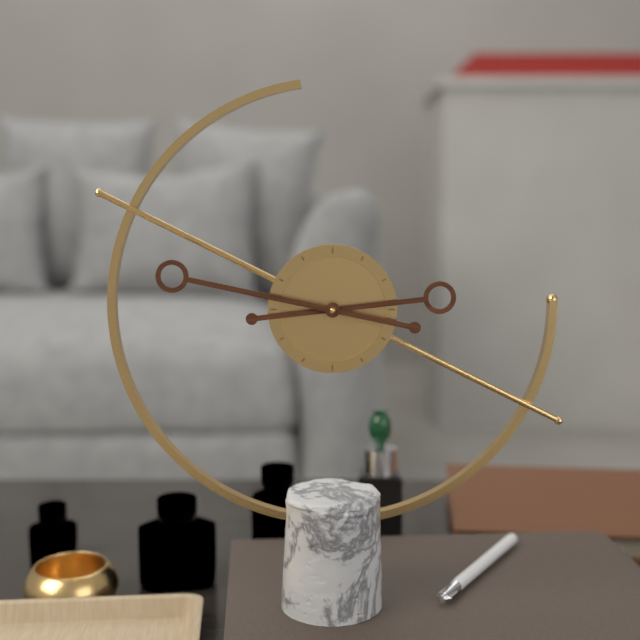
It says 2:47
